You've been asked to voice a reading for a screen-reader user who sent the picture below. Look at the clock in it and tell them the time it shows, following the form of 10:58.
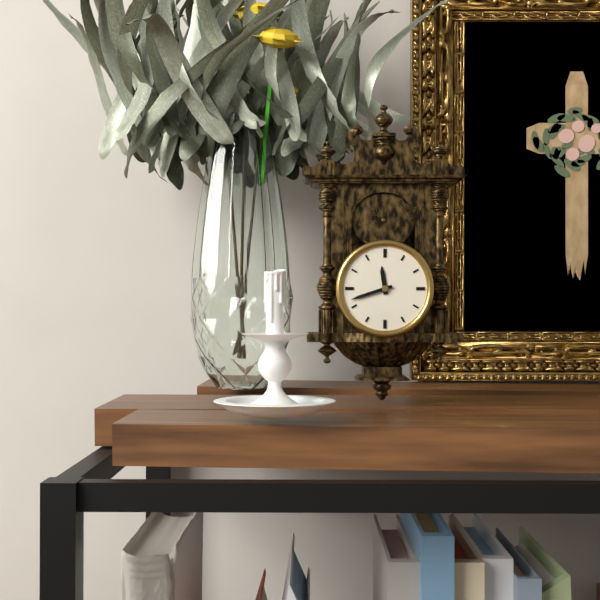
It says 11:42
